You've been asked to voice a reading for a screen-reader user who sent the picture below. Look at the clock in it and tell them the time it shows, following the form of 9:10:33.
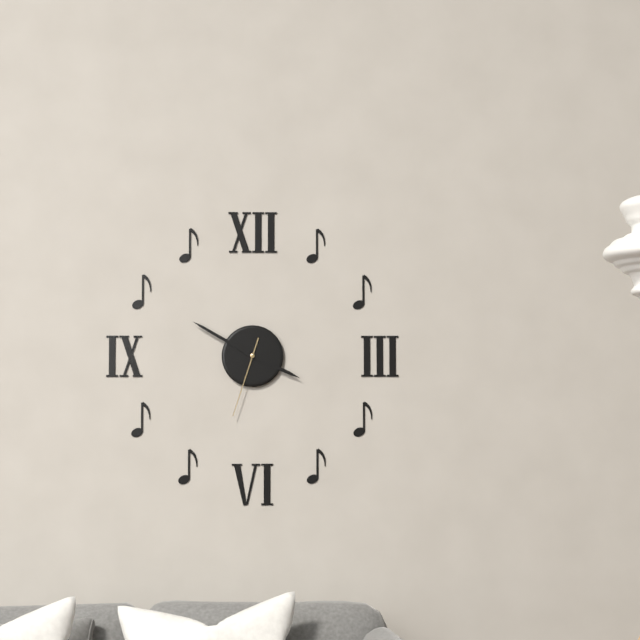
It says 3:50:33
